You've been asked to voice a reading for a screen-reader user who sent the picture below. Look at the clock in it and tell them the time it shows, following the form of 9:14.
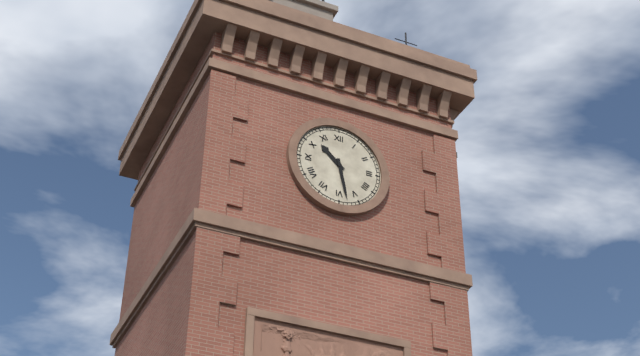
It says 10:28
